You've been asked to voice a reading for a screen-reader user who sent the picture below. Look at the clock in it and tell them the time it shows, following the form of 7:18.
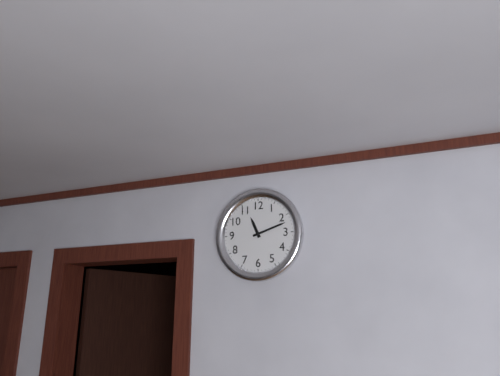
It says 11:12
